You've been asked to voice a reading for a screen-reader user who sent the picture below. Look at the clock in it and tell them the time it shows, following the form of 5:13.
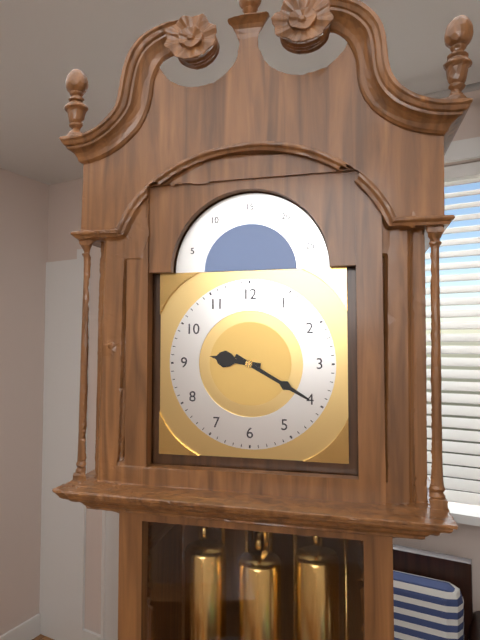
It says 9:20
